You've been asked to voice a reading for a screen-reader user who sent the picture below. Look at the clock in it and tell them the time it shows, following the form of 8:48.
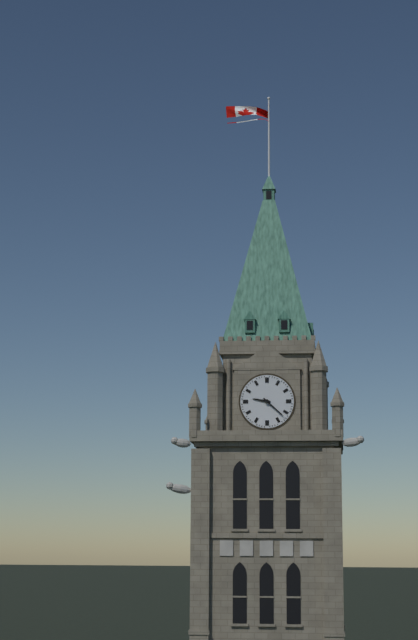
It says 9:22
